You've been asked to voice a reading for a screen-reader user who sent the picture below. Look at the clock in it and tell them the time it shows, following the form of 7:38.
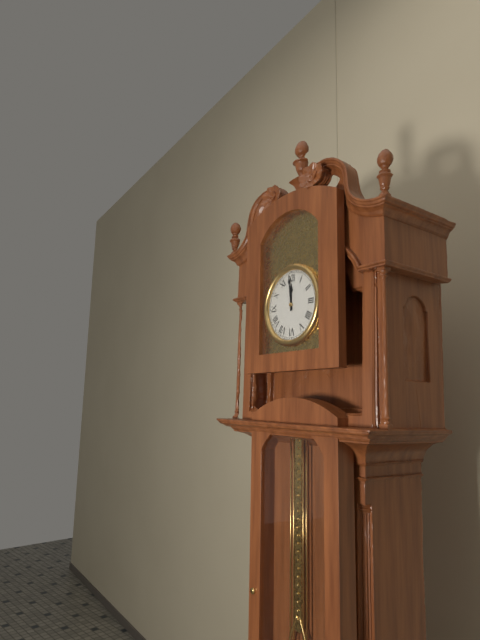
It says 11:59
